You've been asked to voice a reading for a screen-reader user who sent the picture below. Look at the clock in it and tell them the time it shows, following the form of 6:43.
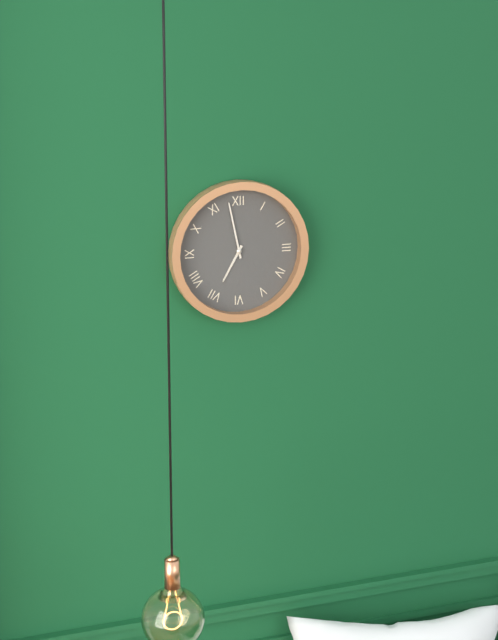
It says 6:58
